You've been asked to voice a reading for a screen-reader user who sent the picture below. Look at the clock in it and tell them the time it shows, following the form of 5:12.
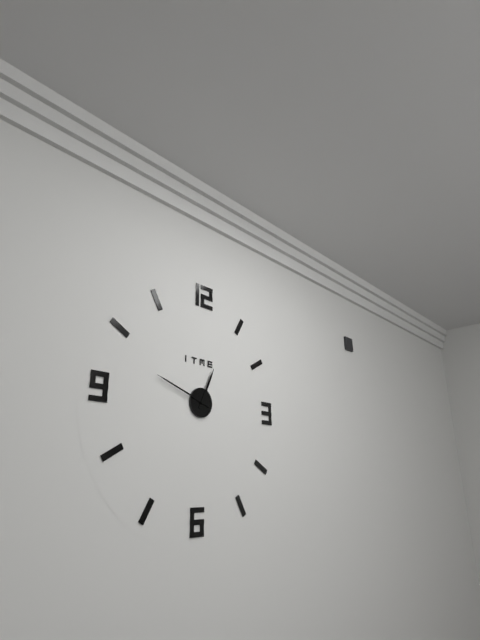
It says 12:48
